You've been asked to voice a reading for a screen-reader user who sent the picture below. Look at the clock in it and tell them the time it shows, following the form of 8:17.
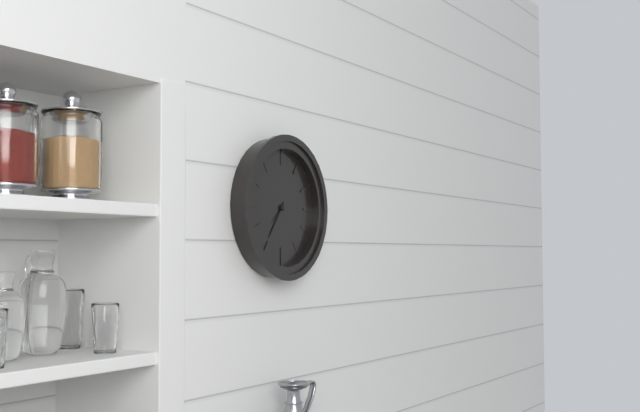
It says 7:36
